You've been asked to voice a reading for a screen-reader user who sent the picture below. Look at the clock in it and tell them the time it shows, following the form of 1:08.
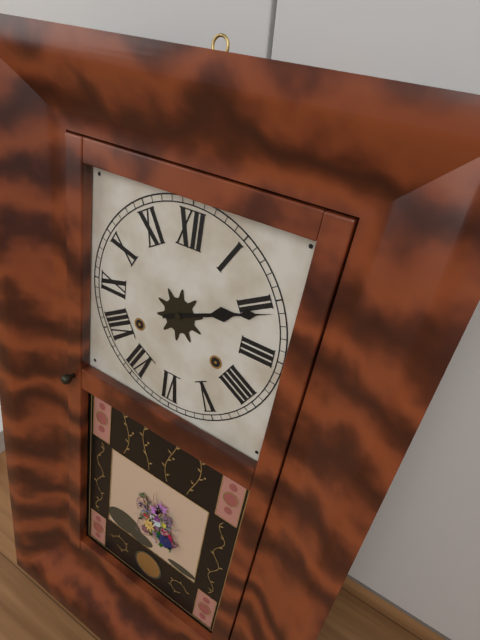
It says 2:11
